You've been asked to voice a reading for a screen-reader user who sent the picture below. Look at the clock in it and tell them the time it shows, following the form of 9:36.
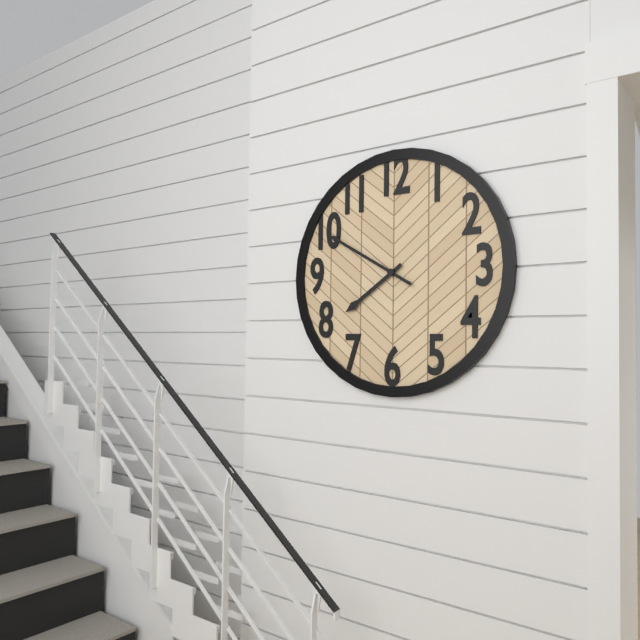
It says 7:50
